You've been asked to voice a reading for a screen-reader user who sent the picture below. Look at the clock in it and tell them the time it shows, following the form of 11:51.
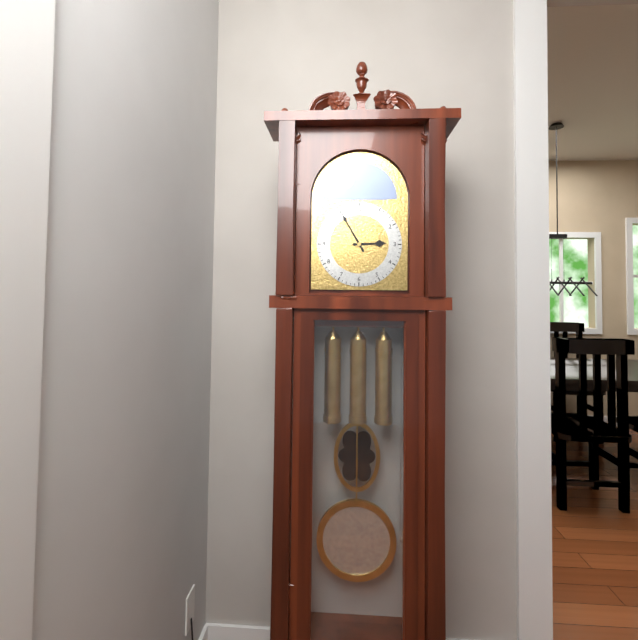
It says 2:55
